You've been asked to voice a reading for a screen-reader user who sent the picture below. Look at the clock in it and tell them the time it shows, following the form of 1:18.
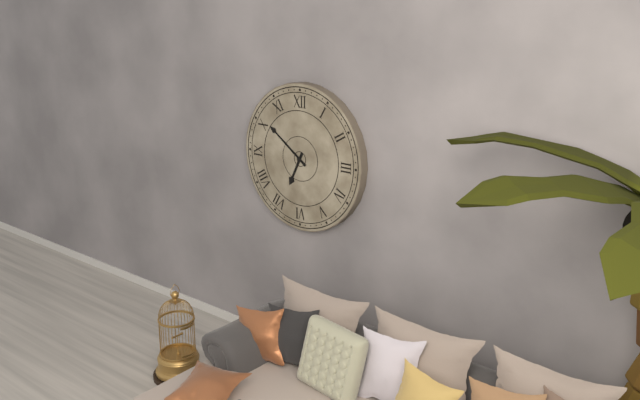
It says 6:51
